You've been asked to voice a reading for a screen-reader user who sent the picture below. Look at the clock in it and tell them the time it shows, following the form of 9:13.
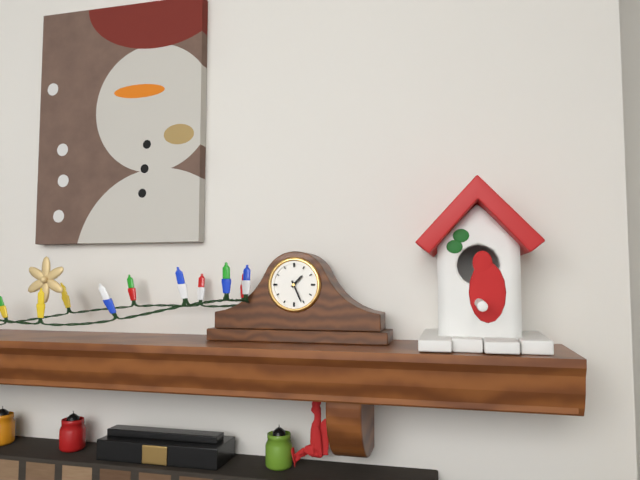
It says 1:26
